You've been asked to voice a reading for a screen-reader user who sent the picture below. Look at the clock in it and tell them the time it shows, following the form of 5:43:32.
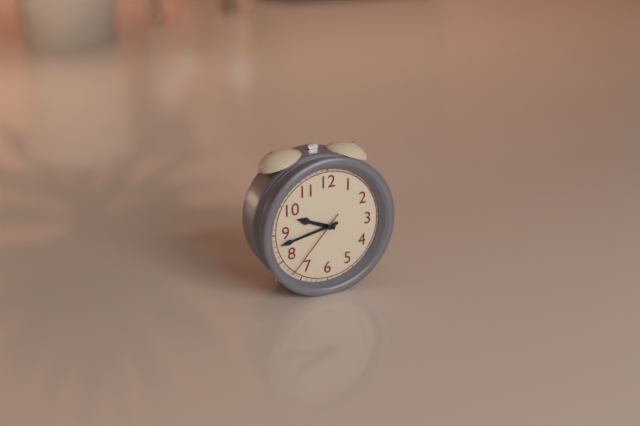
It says 9:43:37
